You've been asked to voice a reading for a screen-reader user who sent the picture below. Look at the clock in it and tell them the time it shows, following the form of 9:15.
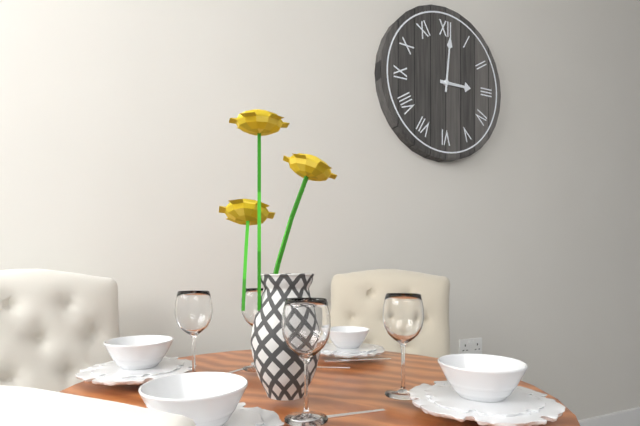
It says 3:01
